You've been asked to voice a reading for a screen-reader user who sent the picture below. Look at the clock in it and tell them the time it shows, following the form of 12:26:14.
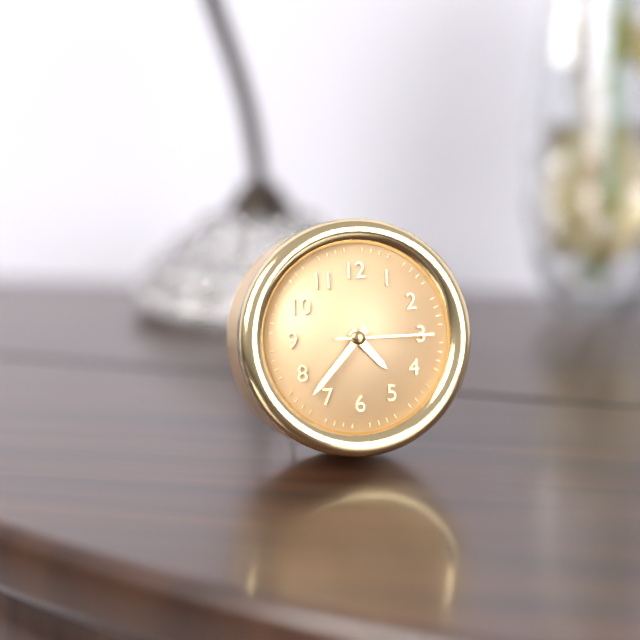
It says 4:37:15
